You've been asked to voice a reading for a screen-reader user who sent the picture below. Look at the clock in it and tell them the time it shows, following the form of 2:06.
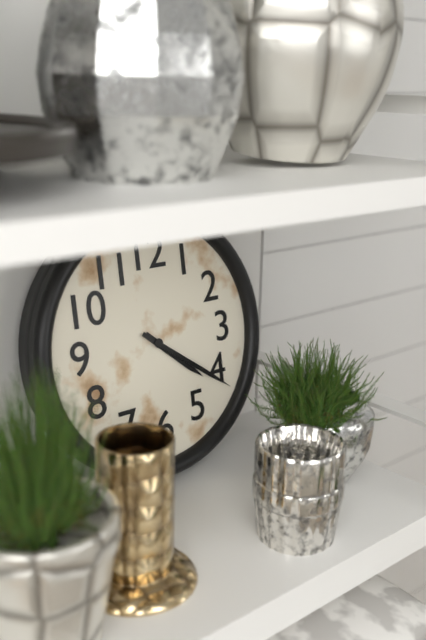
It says 4:21
